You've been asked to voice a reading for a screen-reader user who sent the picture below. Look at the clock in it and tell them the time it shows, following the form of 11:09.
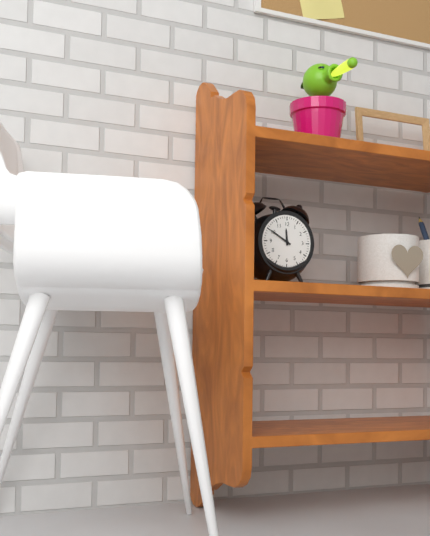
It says 11:50
